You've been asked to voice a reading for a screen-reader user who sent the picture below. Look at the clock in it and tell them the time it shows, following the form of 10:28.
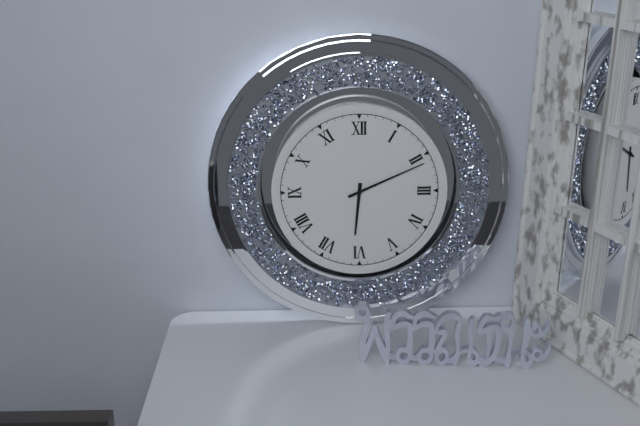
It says 6:11
